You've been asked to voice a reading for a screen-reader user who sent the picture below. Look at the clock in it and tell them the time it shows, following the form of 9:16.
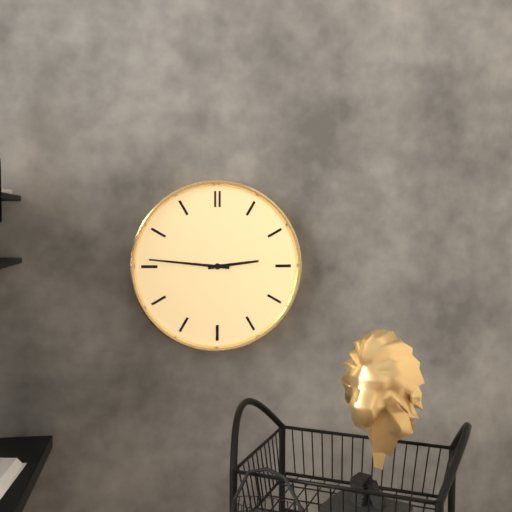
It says 2:46
